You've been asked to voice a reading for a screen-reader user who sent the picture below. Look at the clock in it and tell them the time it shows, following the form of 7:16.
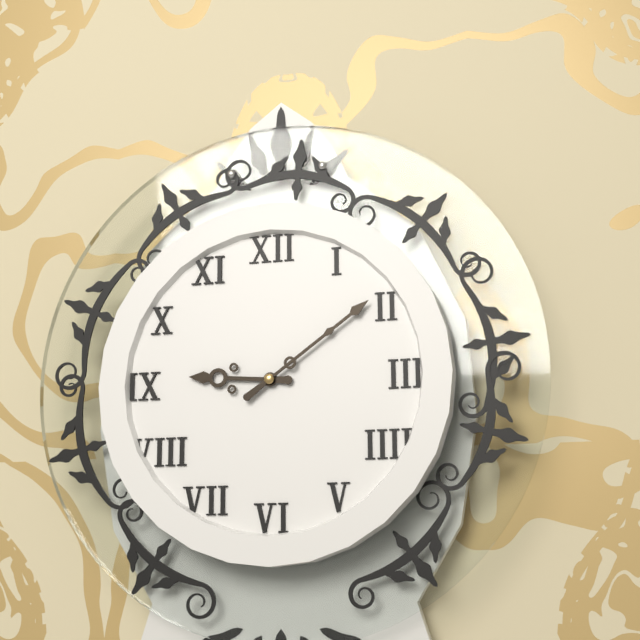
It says 9:09
